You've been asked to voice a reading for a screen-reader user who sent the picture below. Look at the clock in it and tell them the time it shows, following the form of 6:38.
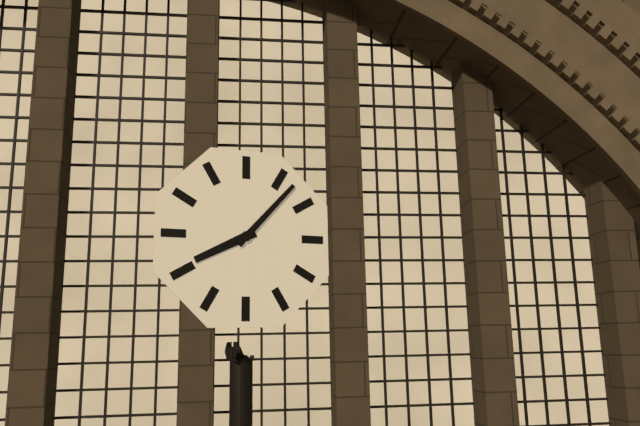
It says 8:07
